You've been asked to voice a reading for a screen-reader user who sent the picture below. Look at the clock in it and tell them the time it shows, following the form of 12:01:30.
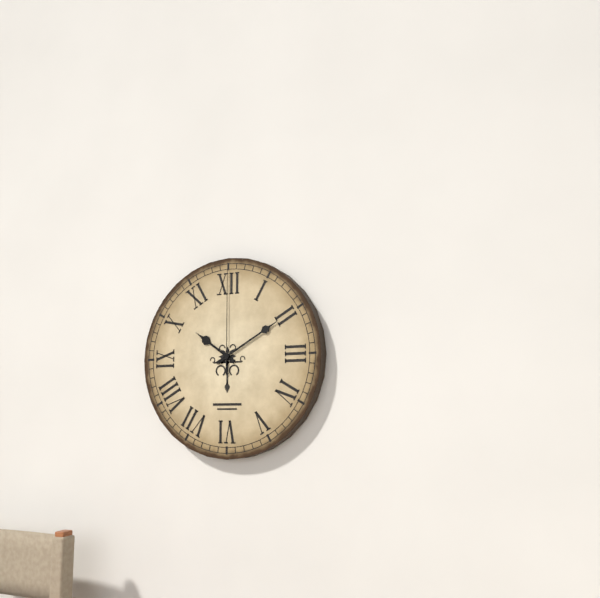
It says 10:10:00
